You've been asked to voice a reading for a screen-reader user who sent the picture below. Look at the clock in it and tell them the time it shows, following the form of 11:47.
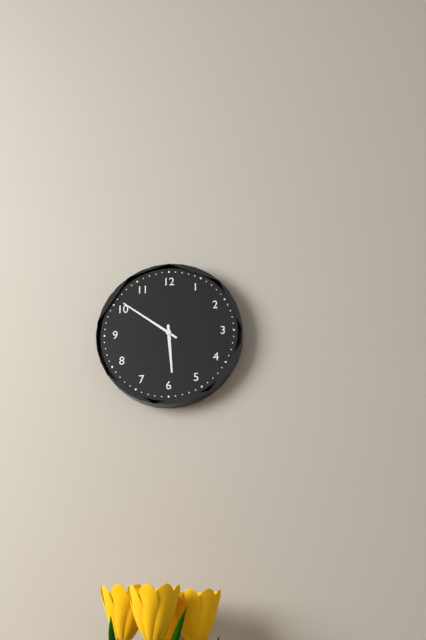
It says 5:51
